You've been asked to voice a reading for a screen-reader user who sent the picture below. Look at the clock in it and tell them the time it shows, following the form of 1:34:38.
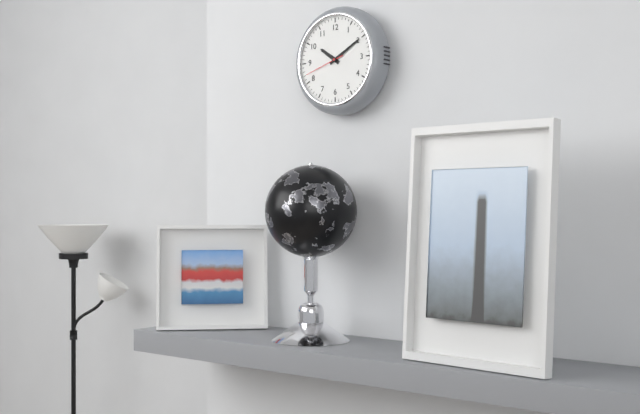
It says 10:10:42
